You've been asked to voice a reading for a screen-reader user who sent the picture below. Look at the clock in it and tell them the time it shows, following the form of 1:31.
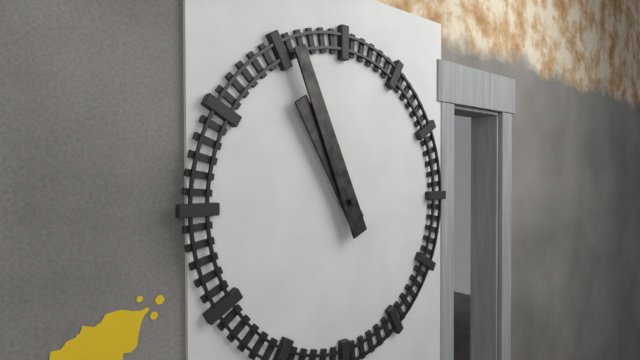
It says 10:56
